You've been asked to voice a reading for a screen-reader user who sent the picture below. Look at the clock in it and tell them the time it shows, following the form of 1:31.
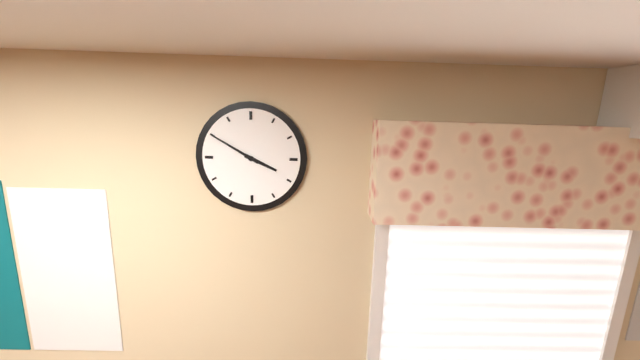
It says 3:50
